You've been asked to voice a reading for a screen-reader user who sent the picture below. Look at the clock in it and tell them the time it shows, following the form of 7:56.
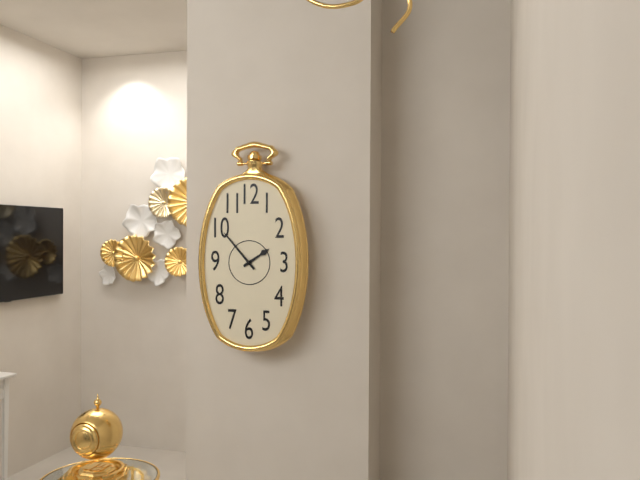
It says 1:53
